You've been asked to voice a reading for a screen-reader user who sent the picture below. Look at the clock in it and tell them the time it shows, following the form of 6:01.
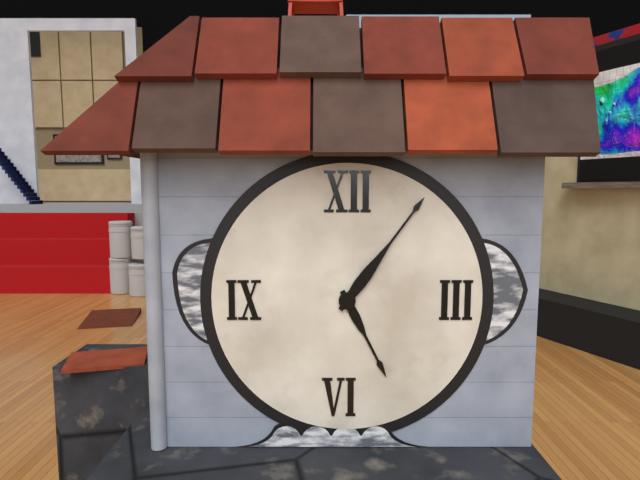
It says 5:06
